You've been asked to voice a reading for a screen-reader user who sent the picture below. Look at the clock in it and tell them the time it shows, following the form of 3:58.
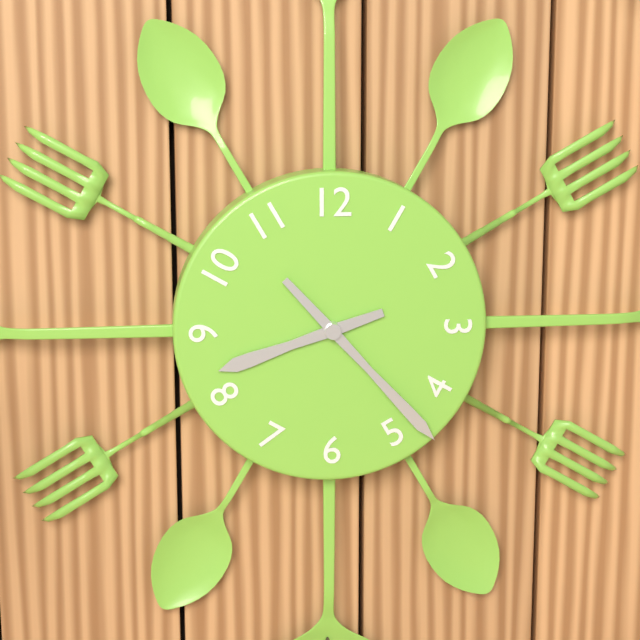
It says 8:23
